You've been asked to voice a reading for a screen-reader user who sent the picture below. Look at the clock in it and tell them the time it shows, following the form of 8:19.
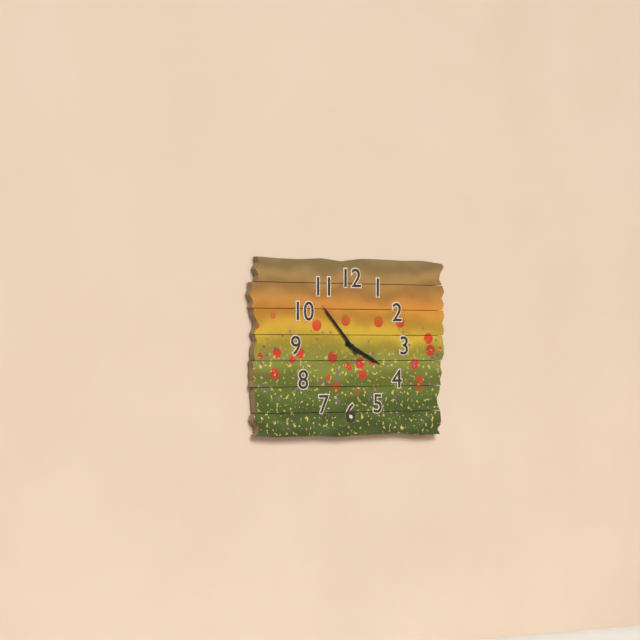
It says 3:53
